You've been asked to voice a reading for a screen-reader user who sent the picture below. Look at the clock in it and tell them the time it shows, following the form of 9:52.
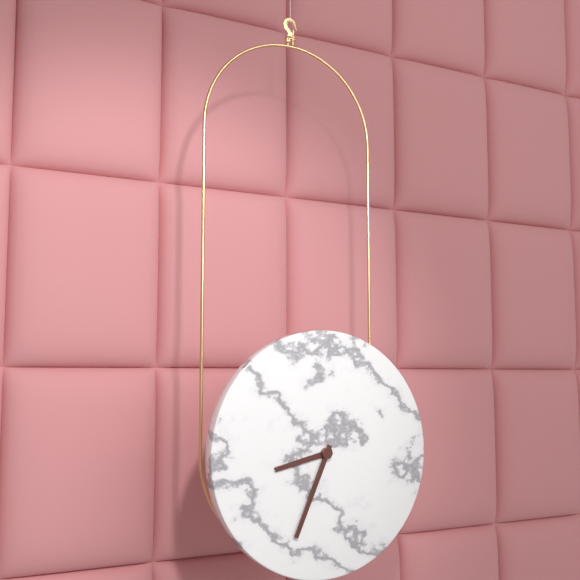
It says 8:34
